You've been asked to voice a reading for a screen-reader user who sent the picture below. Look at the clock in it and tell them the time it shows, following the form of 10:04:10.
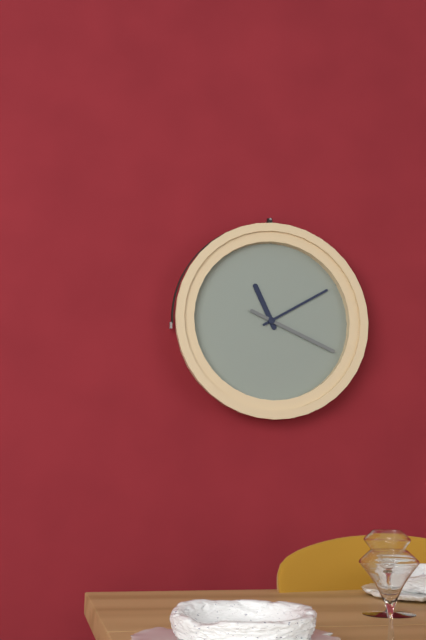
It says 11:10:19
